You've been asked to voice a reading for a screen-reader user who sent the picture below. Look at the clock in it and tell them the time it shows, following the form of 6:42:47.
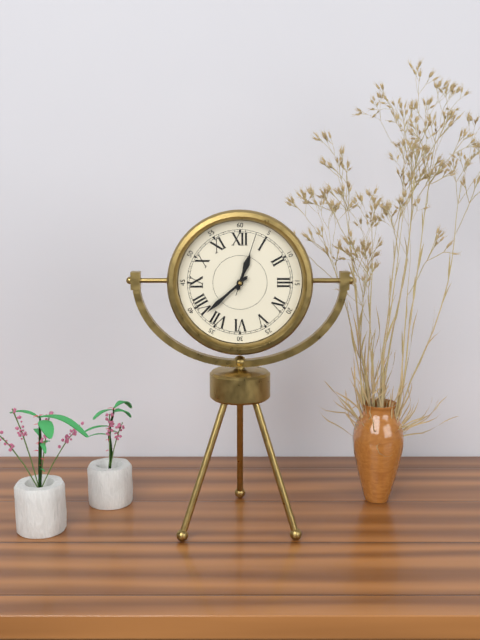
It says 12:38:03
